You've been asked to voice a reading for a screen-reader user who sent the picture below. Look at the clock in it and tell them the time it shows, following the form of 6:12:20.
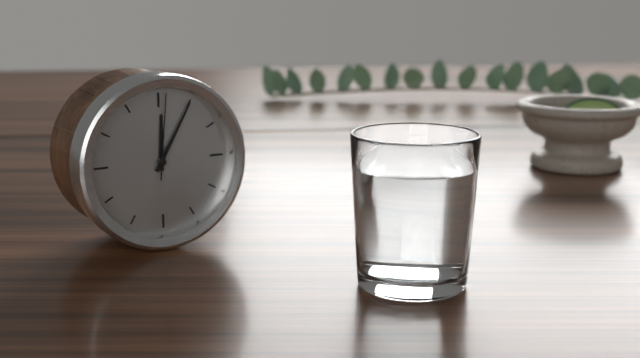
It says 12:05:01
